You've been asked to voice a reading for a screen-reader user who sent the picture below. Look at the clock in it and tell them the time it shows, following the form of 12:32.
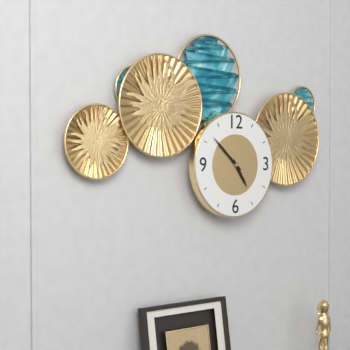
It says 4:52
